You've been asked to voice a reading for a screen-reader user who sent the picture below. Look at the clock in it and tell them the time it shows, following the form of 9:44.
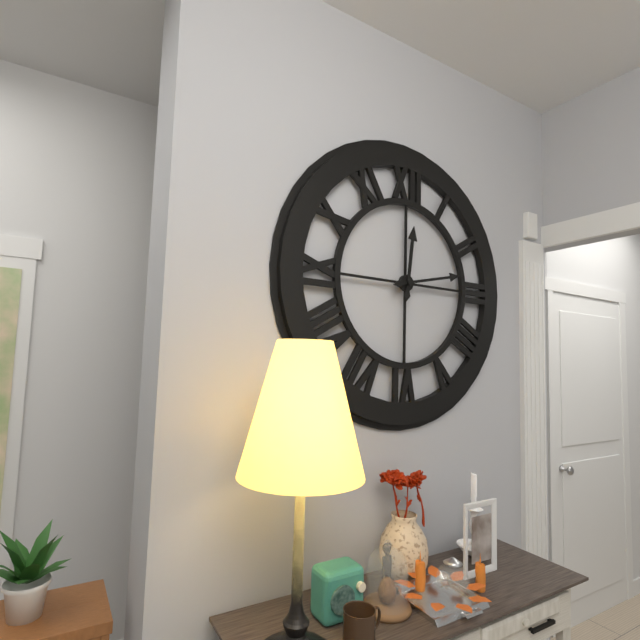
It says 12:13
